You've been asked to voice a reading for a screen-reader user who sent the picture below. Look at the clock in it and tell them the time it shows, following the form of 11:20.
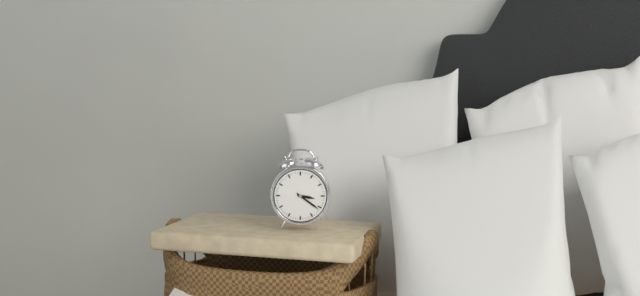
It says 3:21
